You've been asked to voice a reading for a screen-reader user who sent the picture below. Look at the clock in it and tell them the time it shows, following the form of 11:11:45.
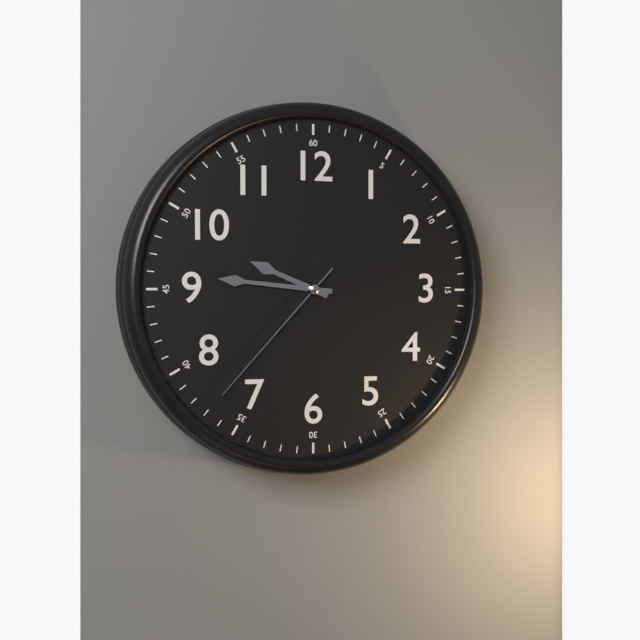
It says 9:46:37
